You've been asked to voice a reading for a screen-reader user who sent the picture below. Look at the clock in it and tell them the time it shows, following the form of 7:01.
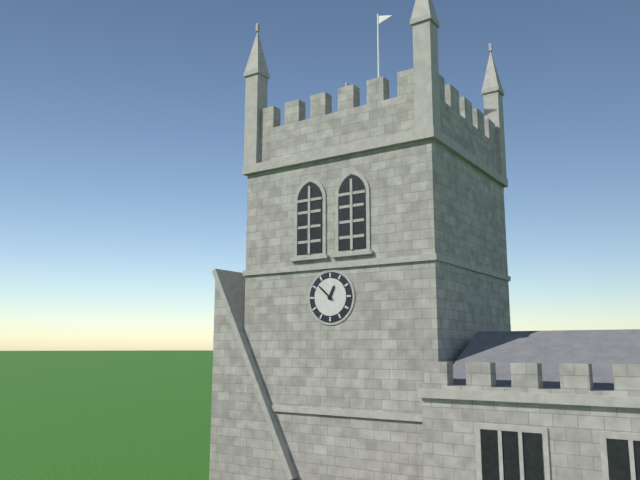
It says 12:52
